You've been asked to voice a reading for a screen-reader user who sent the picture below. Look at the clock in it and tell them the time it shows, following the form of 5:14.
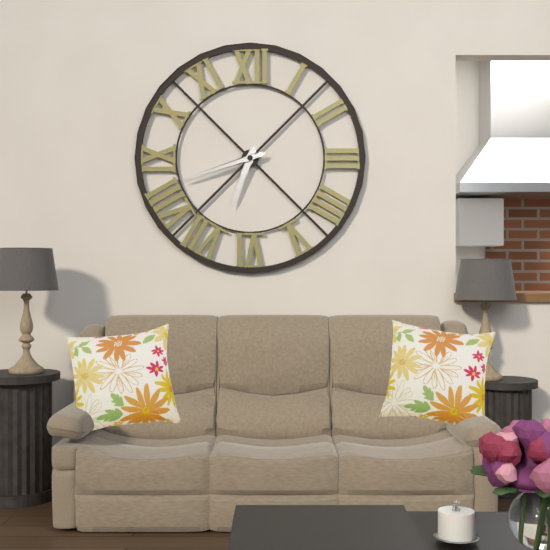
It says 6:42
